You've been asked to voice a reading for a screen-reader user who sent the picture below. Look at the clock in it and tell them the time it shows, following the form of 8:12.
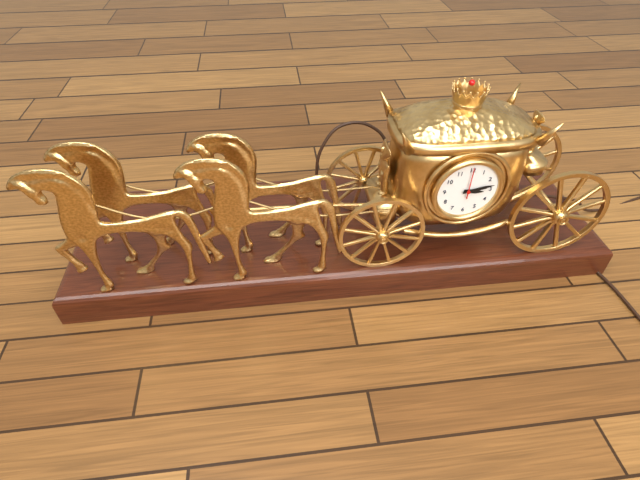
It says 3:13
